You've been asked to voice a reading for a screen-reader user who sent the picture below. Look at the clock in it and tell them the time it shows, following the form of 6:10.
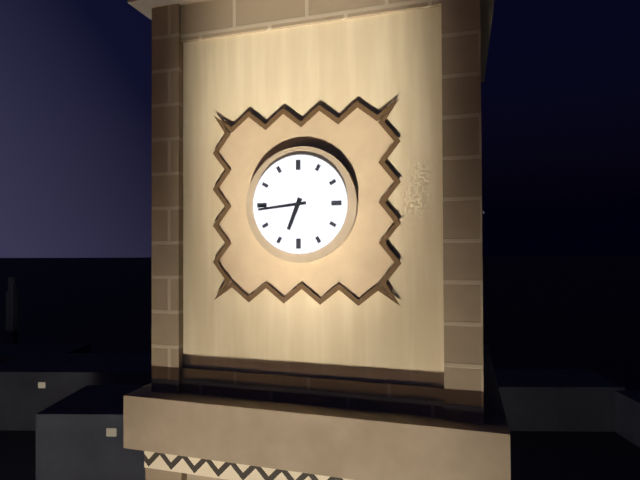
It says 6:44
